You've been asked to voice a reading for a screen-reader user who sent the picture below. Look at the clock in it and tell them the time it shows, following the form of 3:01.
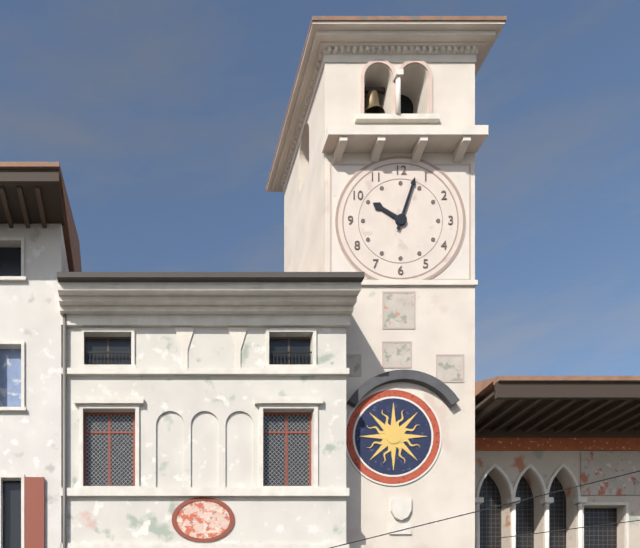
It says 10:03
